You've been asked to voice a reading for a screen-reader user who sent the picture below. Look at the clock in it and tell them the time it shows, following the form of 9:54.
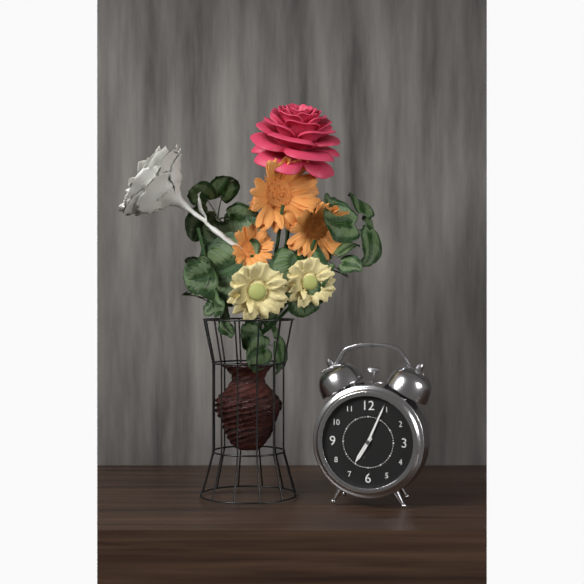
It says 7:04
